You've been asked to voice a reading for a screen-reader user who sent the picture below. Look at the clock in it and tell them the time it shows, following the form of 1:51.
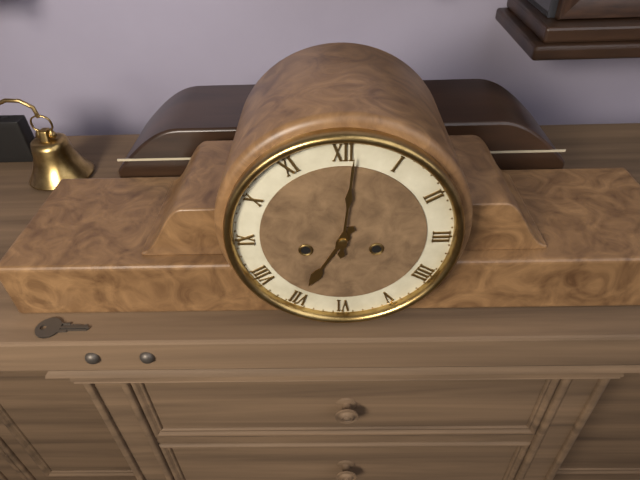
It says 7:01
